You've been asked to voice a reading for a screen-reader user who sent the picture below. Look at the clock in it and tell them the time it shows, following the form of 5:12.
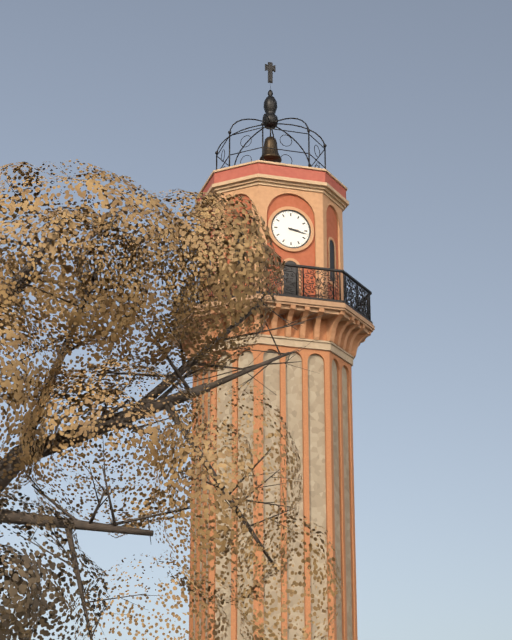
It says 3:17
